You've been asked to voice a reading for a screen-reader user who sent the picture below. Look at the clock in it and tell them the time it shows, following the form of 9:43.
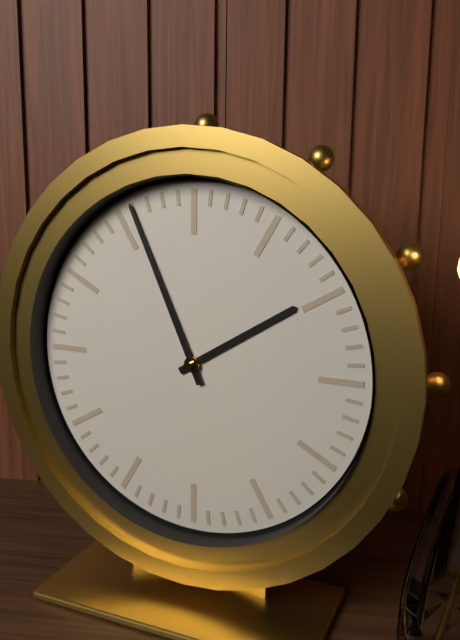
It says 1:56
